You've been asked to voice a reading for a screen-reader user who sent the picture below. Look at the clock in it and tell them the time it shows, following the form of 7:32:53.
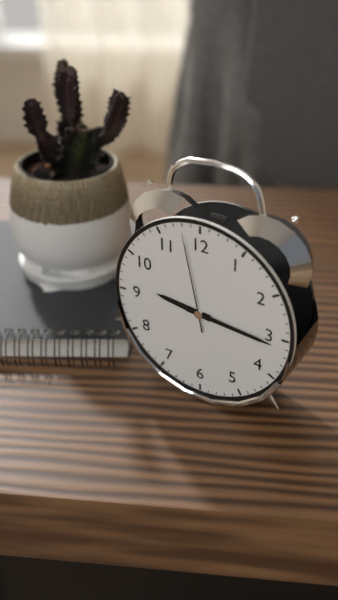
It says 9:16:58
